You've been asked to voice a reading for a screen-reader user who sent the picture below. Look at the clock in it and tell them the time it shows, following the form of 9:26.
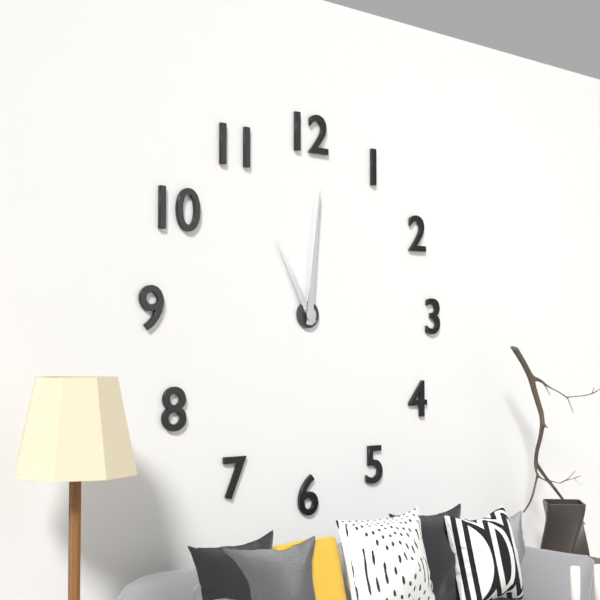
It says 11:01
